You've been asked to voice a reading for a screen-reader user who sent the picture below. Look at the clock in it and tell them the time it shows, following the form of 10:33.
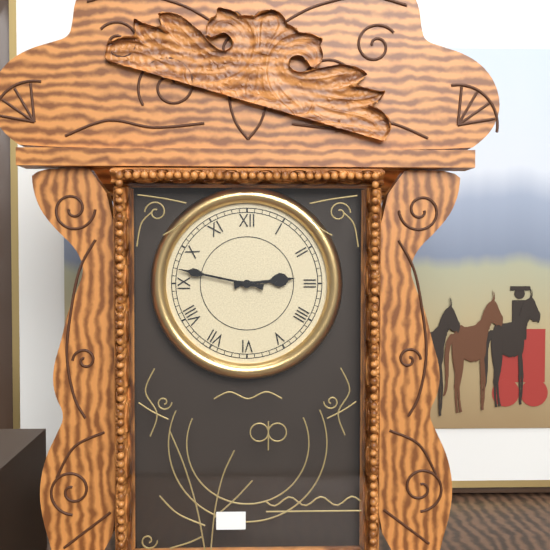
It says 2:47
